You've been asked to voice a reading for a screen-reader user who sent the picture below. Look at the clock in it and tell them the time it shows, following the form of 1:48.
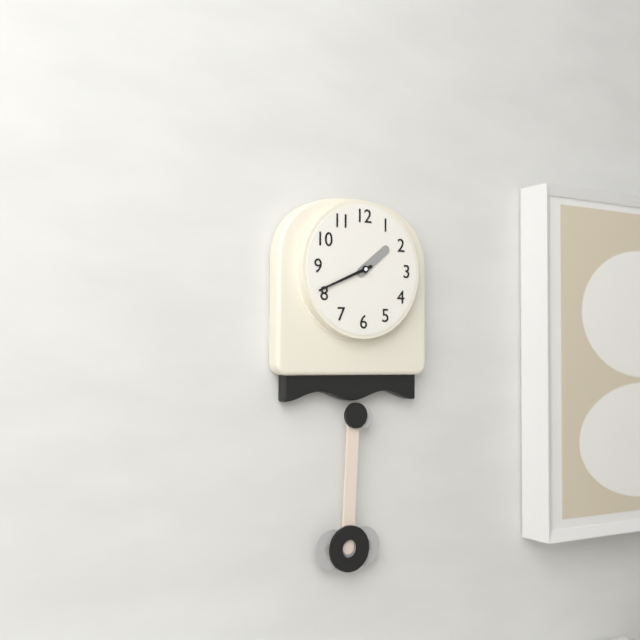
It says 1:41
